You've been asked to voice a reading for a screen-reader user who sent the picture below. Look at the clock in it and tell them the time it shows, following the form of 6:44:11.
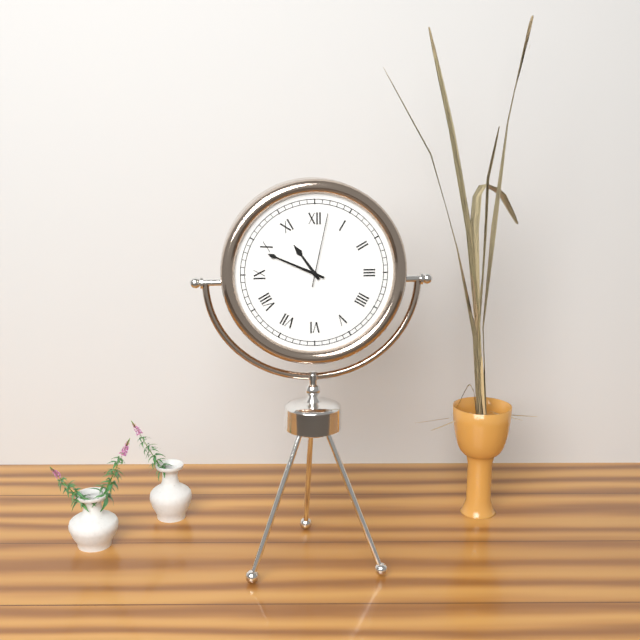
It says 10:49:02
